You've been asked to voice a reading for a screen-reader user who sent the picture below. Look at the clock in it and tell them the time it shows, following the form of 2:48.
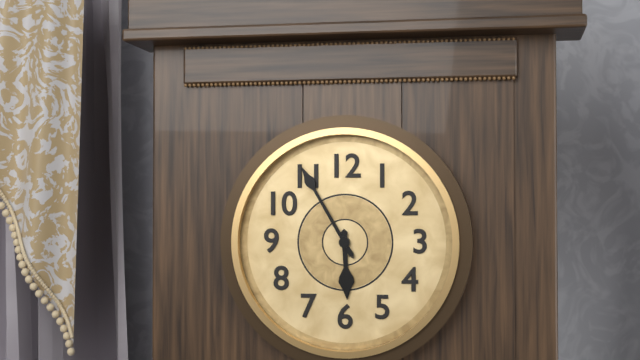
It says 5:55
